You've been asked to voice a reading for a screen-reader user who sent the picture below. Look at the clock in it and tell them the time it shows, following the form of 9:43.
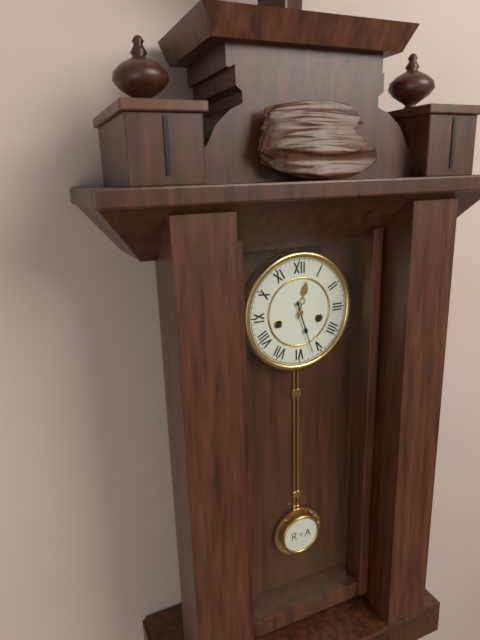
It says 12:27
